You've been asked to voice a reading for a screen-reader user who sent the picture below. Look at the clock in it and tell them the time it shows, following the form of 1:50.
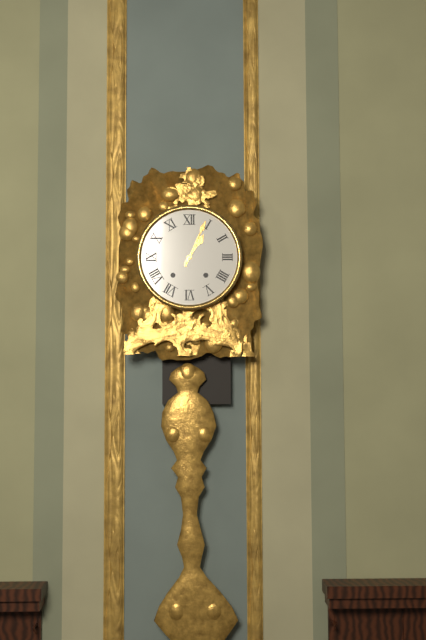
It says 1:04
